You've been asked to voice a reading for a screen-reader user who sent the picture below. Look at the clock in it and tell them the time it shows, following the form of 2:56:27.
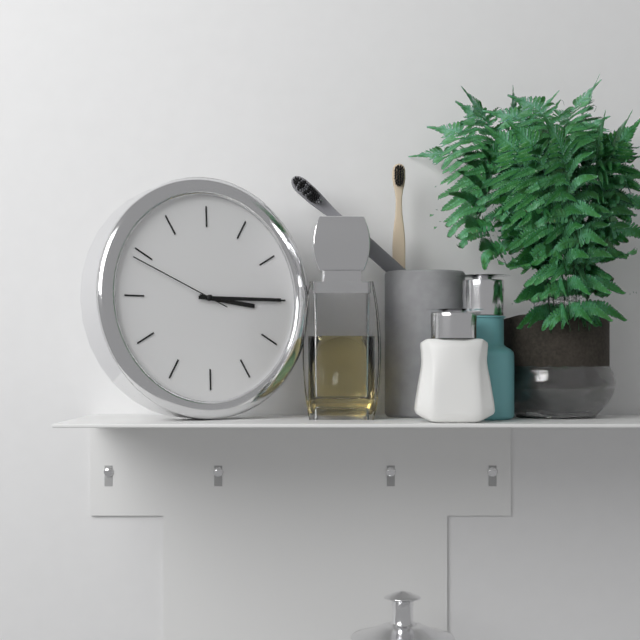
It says 3:15:49
